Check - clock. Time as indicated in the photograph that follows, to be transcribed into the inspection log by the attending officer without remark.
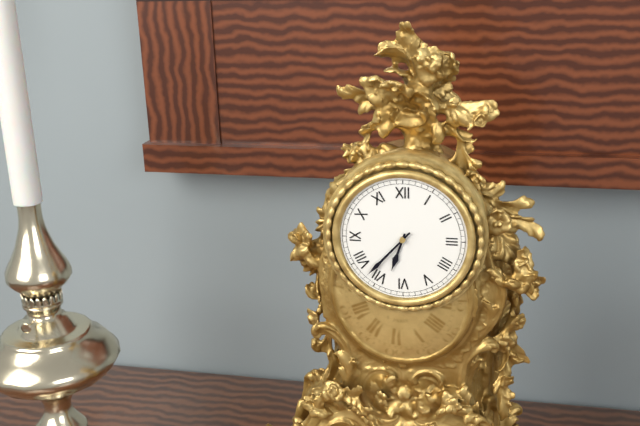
6:37
